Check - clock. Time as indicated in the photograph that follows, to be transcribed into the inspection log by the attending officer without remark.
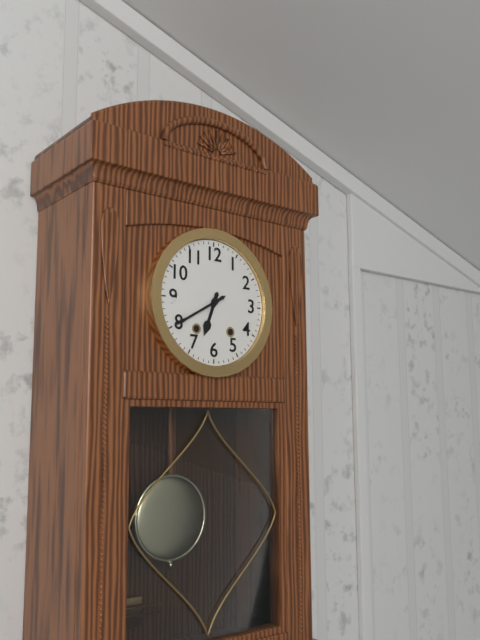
6:40
